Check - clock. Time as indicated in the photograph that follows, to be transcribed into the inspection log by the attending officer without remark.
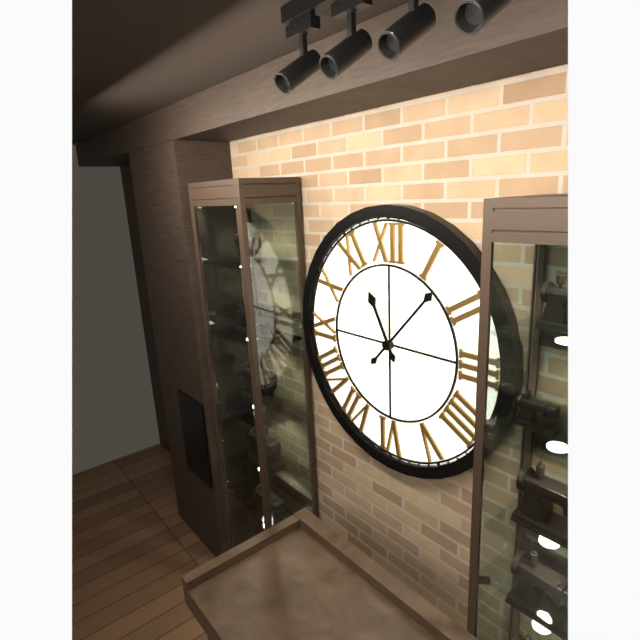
11:07
